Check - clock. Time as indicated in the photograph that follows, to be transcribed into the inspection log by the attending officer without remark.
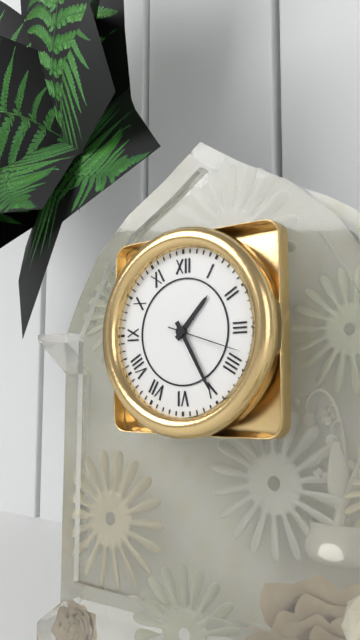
1:25:18
